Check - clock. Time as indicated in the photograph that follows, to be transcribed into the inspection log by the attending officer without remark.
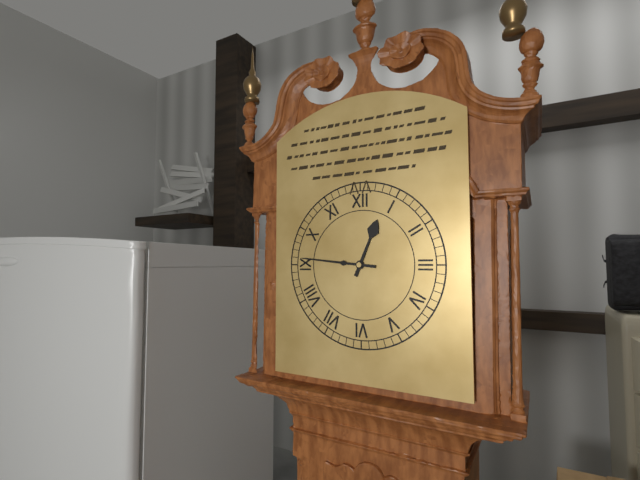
12:46
